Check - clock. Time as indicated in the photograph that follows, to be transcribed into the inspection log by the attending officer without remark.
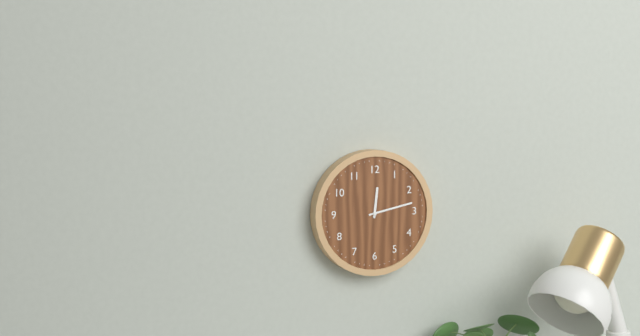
12:13
